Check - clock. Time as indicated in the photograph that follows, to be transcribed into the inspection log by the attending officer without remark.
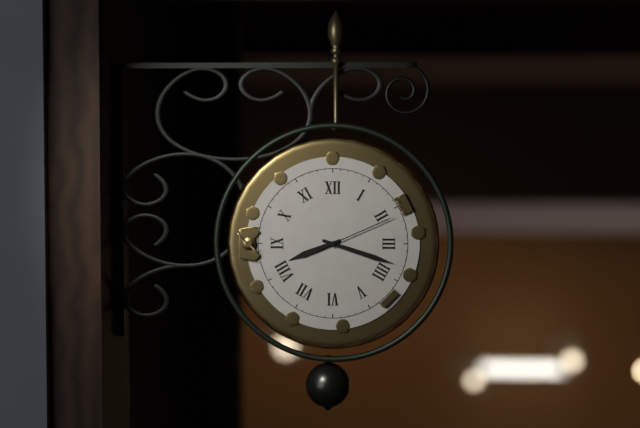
8:18:11
